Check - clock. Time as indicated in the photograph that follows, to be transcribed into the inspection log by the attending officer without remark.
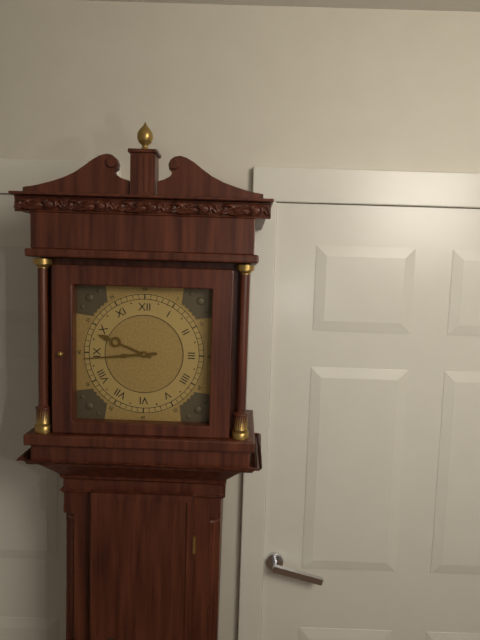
9:44
